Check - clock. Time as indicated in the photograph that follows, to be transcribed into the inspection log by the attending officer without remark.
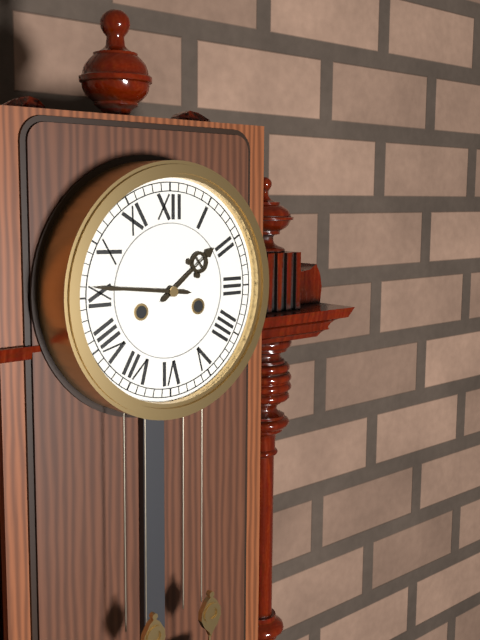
1:46
